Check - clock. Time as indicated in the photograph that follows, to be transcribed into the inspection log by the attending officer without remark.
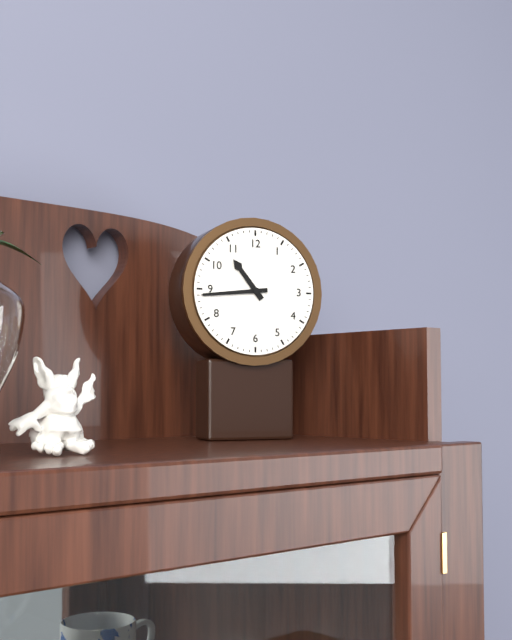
10:44
